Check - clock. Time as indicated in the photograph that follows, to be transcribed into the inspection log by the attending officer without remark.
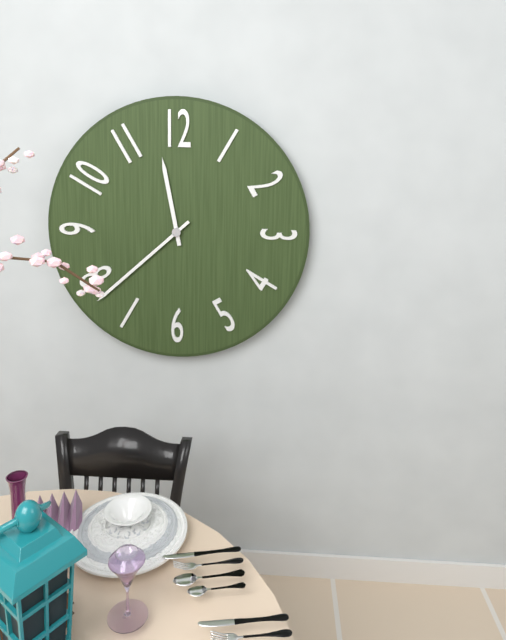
11:38
